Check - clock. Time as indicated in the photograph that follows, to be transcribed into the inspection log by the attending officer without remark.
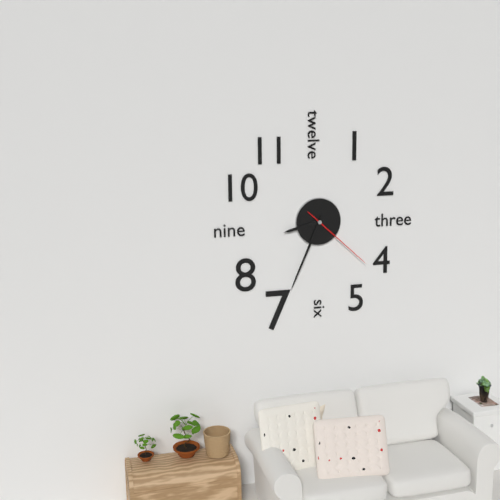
8:34:22
